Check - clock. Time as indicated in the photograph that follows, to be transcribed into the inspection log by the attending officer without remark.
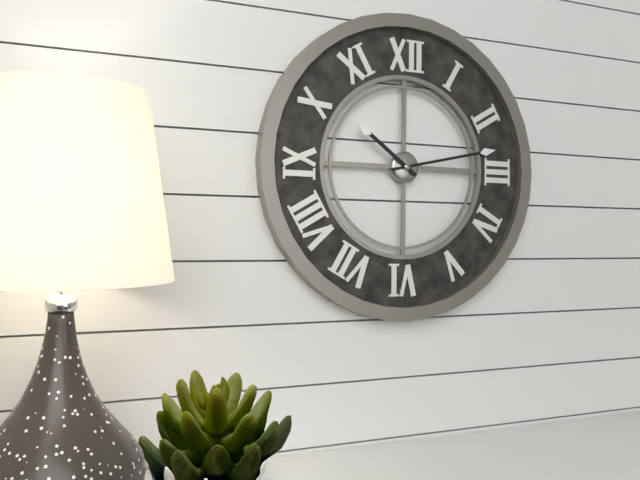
10:13
